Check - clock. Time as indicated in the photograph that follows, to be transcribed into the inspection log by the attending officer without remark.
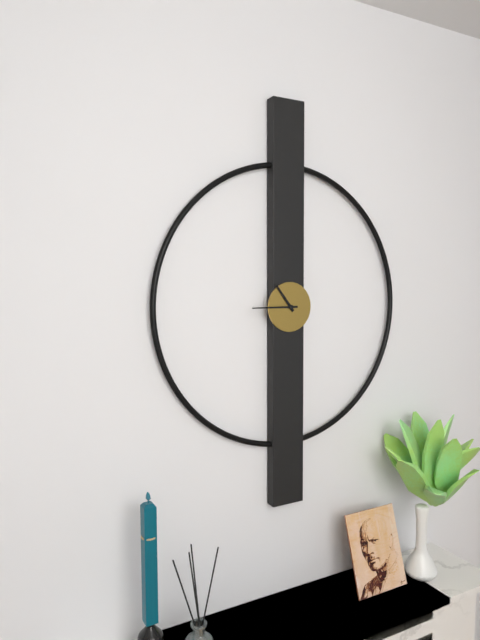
10:45
